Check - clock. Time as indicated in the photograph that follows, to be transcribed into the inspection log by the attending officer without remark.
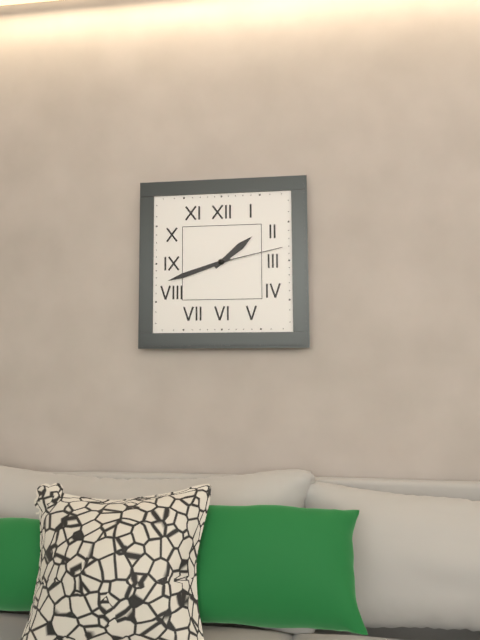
1:42:13
